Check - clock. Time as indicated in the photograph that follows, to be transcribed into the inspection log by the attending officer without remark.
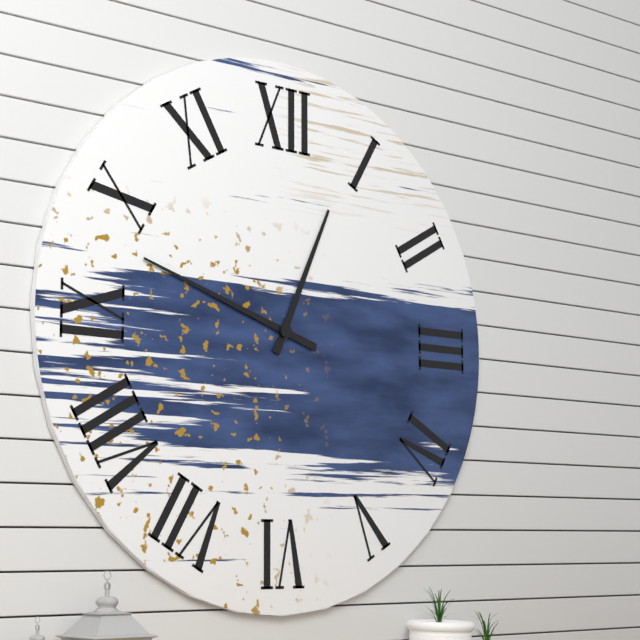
12:48
